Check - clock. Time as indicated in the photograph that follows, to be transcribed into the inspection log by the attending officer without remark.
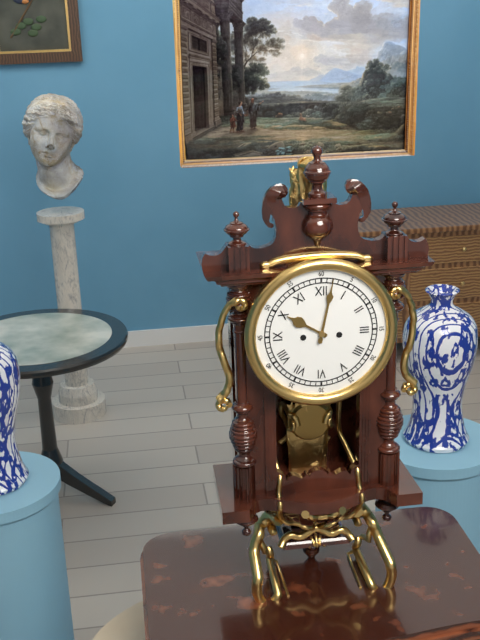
10:02
